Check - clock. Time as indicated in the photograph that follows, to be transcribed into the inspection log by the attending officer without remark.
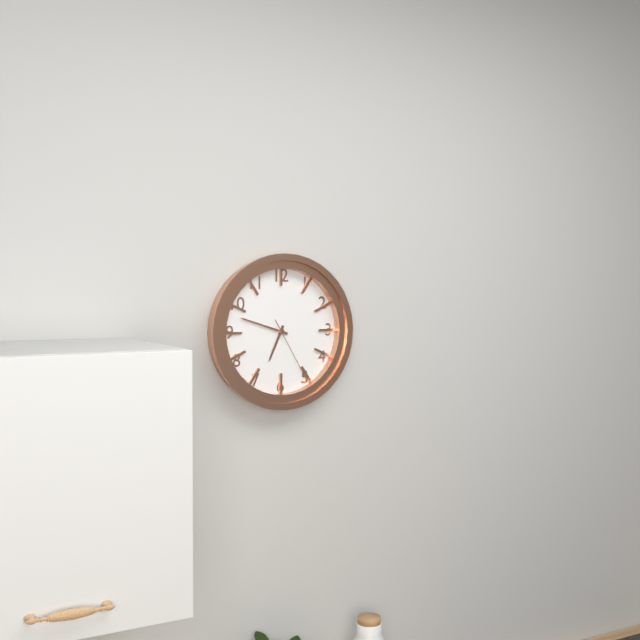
6:48:25
